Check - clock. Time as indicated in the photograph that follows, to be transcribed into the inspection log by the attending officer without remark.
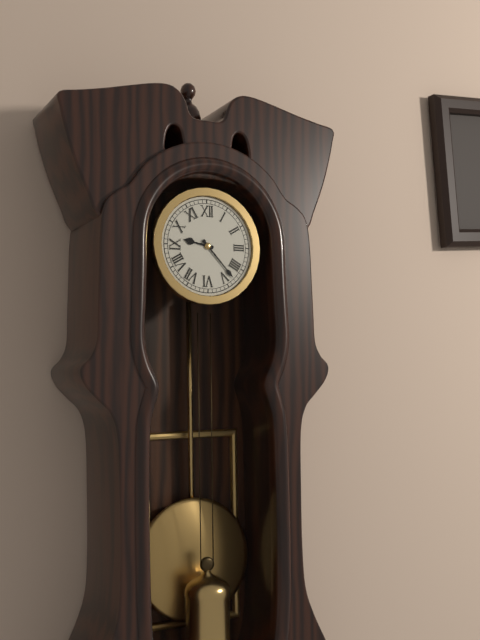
9:23
